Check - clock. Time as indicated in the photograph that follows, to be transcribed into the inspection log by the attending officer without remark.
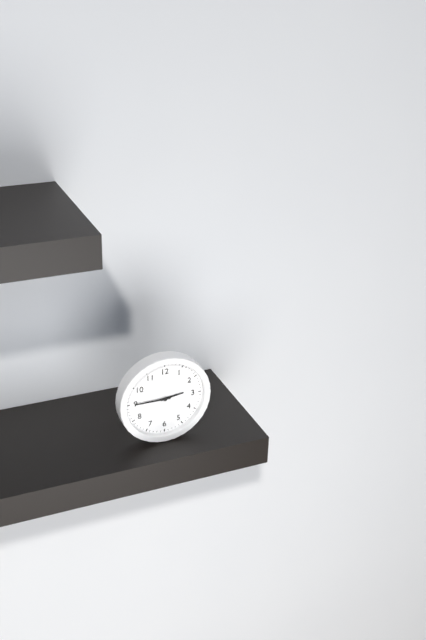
2:45
